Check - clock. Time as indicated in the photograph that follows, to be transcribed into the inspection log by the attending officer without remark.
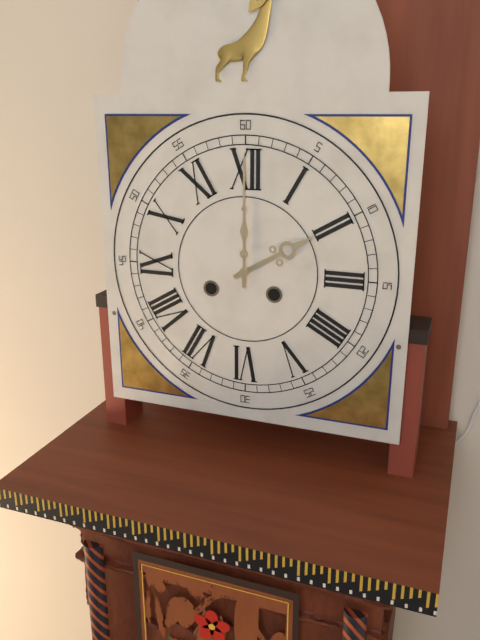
2:00
